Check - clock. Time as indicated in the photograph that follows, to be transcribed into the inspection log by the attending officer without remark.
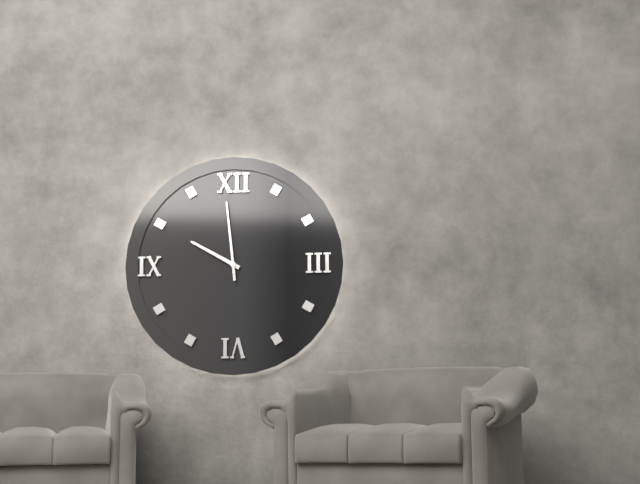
9:59
